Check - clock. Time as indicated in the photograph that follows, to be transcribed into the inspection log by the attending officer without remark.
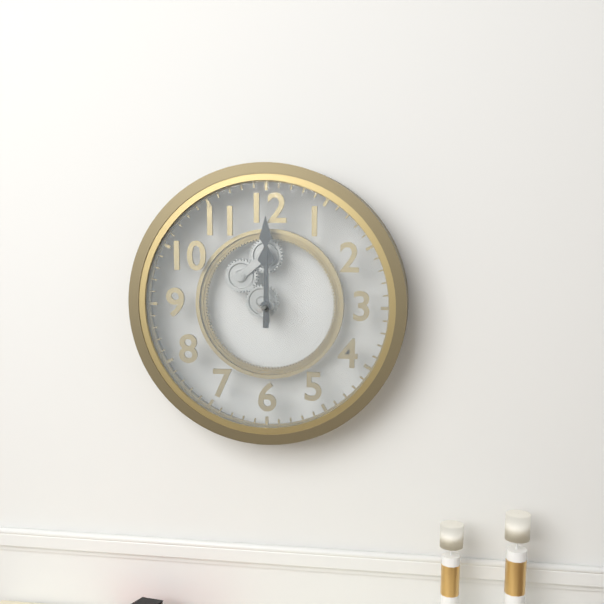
12:00
